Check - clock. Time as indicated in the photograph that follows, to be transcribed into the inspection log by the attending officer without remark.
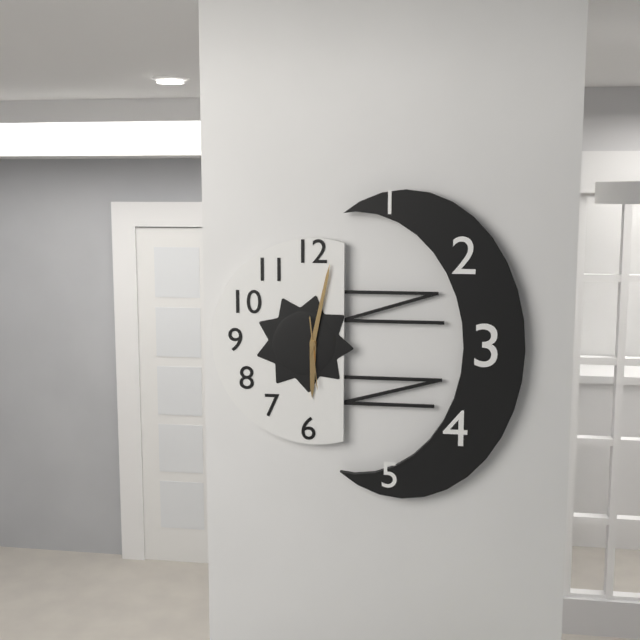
6:02:29
